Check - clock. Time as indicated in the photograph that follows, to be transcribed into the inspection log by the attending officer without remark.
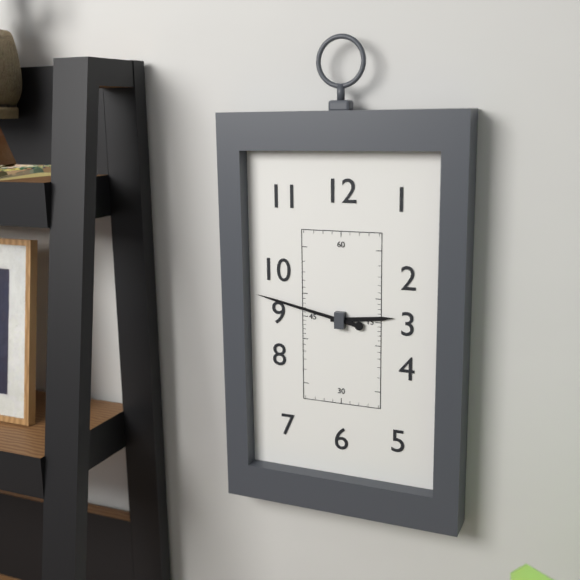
2:47
